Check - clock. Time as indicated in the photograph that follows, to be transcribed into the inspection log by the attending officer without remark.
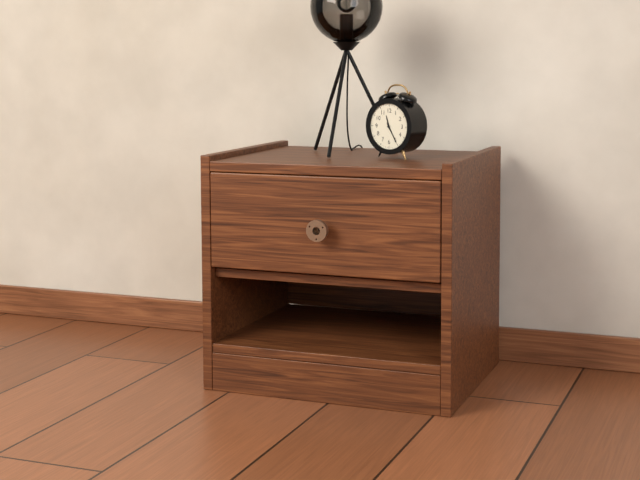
11:25
